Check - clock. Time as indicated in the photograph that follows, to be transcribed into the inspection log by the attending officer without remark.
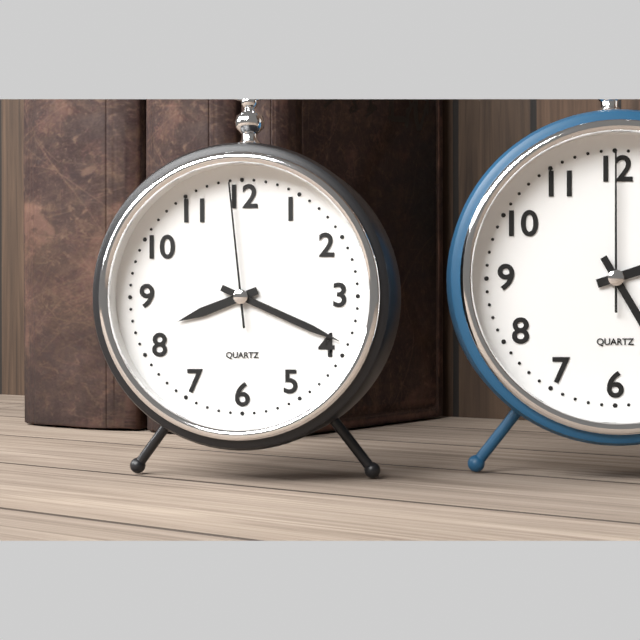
8:19:59
